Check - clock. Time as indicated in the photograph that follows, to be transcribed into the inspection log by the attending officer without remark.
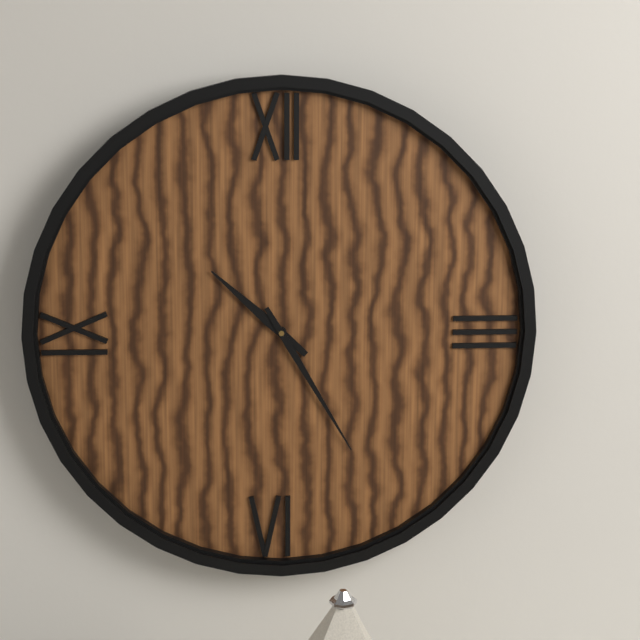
10:25
